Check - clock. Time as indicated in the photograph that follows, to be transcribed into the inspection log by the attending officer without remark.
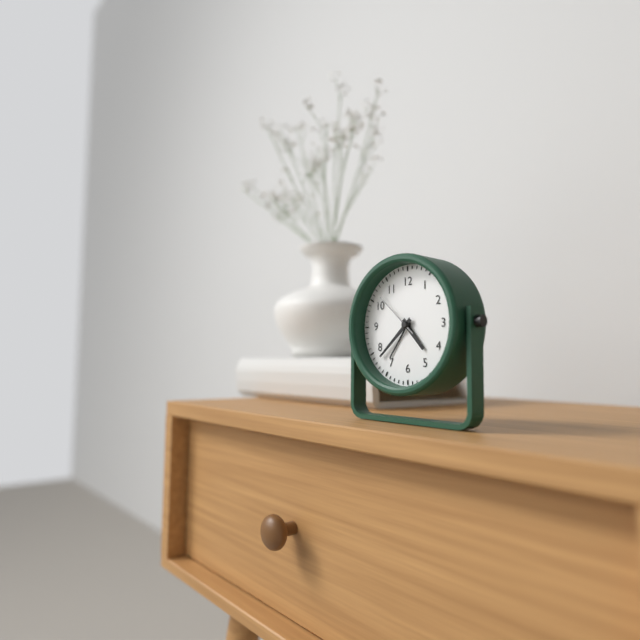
4:38
